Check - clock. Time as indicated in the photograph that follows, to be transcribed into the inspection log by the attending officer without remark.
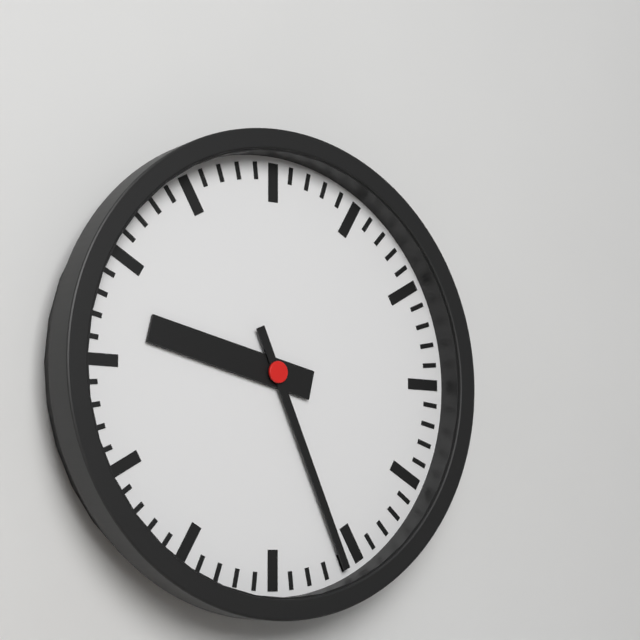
9:26
